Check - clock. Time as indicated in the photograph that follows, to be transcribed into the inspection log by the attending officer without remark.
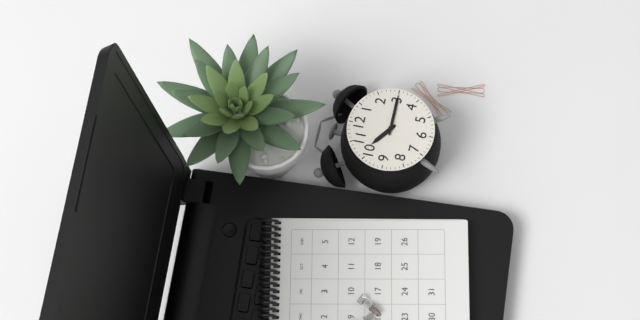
10:15
